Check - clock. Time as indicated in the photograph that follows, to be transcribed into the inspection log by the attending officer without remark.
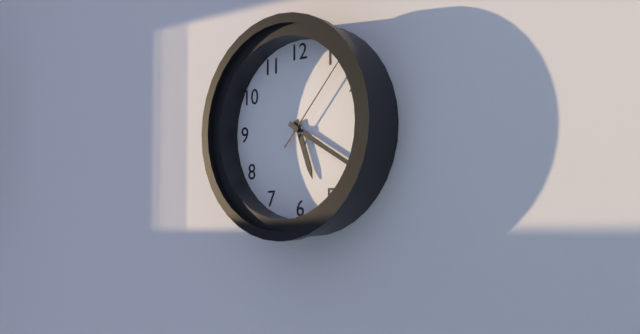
5:20:07
